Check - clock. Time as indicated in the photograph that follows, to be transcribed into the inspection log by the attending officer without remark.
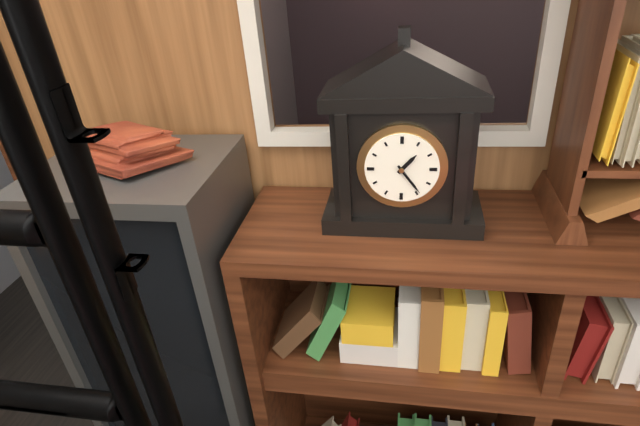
1:24
